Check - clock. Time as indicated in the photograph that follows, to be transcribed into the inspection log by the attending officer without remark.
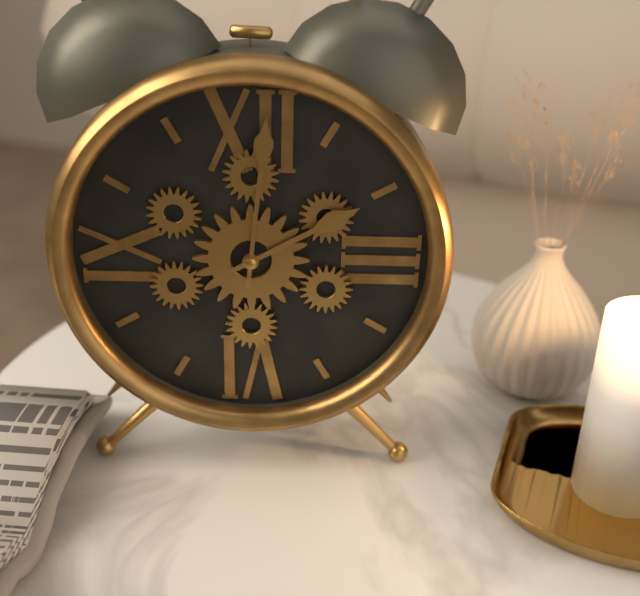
2:01
